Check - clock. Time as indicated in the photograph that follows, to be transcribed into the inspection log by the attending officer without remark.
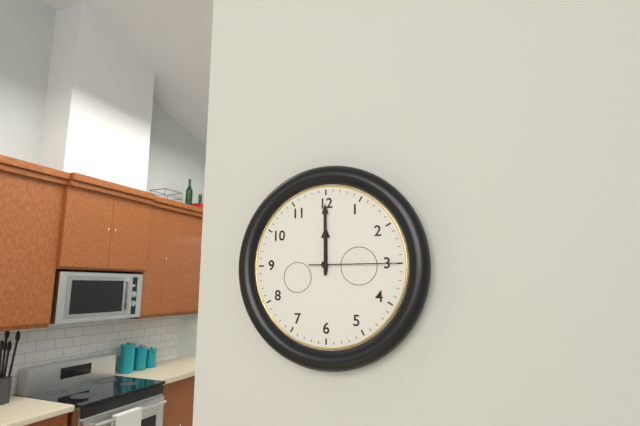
12:00:15
